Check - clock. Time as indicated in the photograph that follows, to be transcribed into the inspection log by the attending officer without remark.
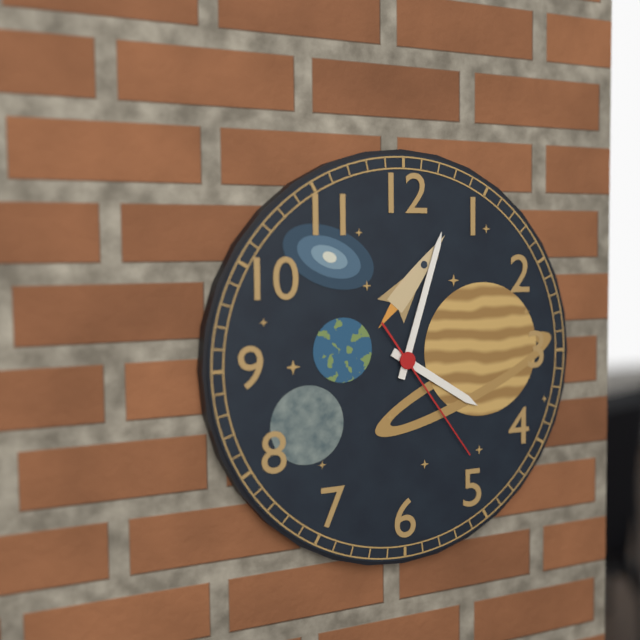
4:03:24
